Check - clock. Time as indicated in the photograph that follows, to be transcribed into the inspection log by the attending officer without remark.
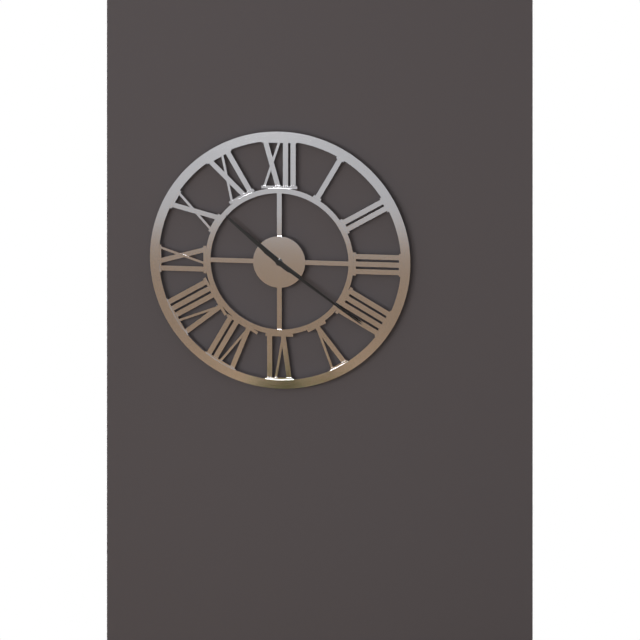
10:21
